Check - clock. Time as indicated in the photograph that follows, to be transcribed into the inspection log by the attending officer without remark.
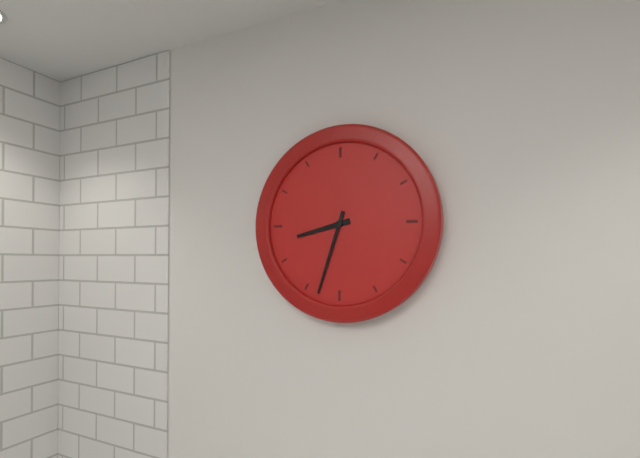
8:33
